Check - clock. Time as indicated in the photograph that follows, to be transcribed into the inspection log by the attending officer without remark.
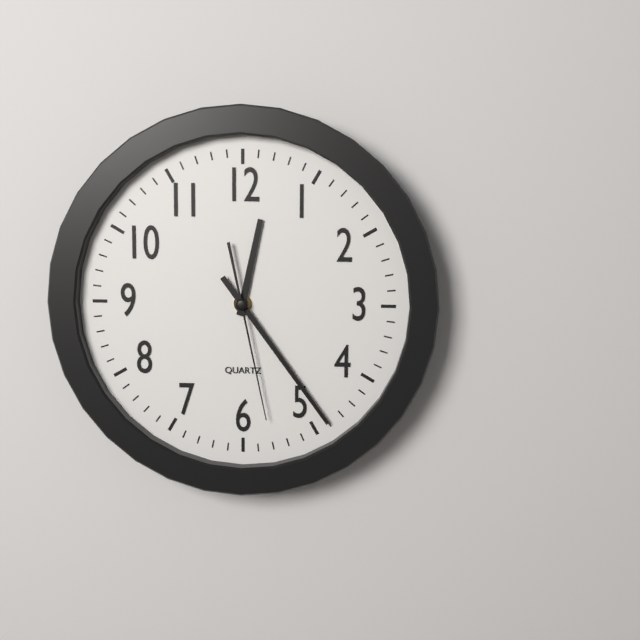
12:24:28
